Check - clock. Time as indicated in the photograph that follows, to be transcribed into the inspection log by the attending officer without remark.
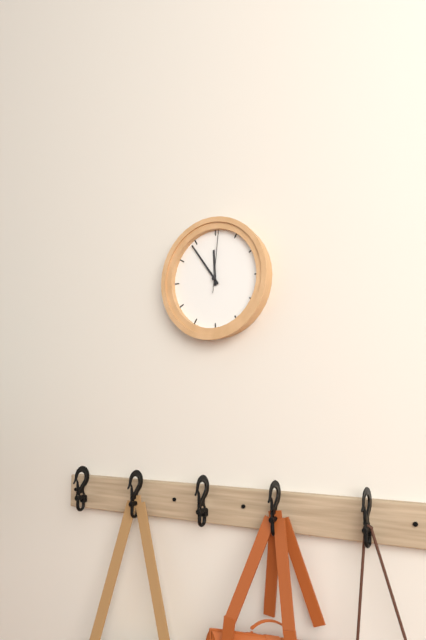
11:54:01
